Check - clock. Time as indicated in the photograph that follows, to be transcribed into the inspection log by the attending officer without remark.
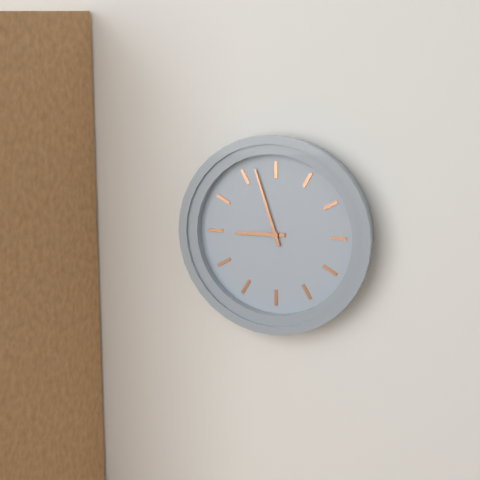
8:57
